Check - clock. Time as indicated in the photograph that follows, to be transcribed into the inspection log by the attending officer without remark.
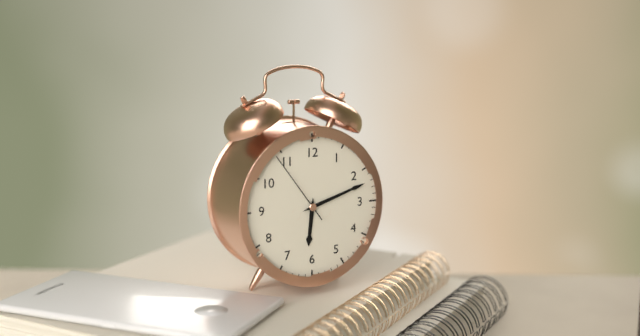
6:12:54
